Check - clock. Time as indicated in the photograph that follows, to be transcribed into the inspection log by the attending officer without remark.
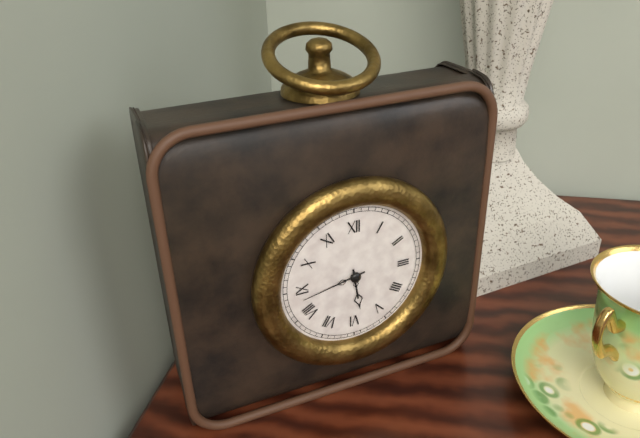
5:43
